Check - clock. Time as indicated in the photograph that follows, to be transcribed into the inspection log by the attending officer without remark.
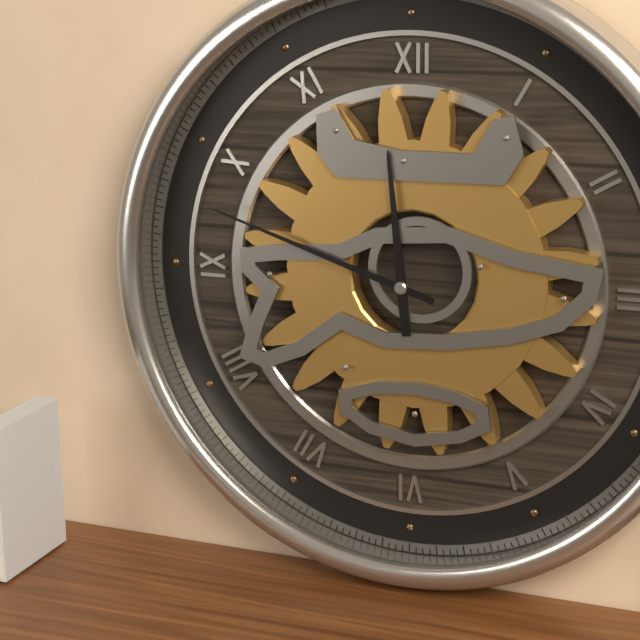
11:48
